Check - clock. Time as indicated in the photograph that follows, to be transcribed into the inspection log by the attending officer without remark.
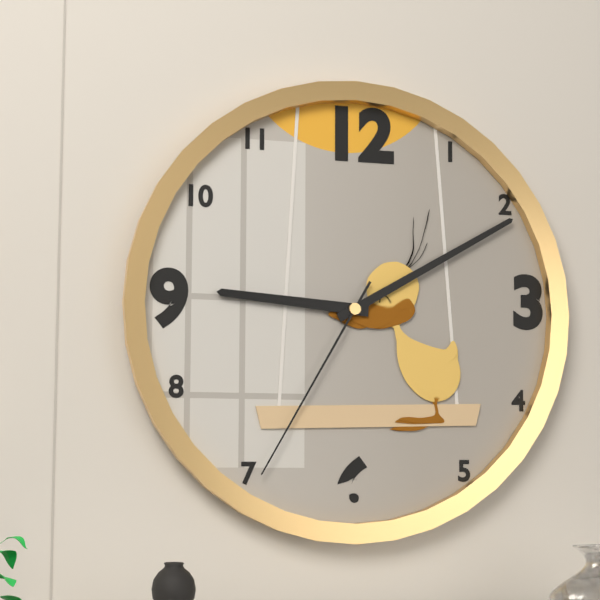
9:10:35
